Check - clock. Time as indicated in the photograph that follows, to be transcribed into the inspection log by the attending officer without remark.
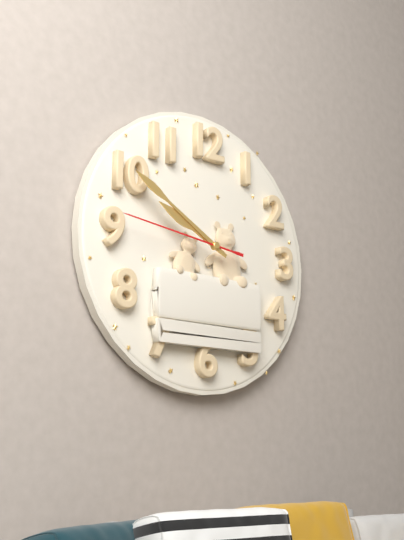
9:50:46
